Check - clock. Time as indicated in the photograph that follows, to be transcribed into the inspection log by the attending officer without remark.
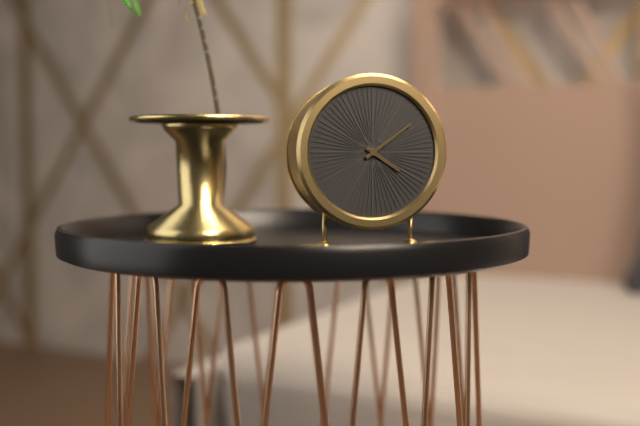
4:09
